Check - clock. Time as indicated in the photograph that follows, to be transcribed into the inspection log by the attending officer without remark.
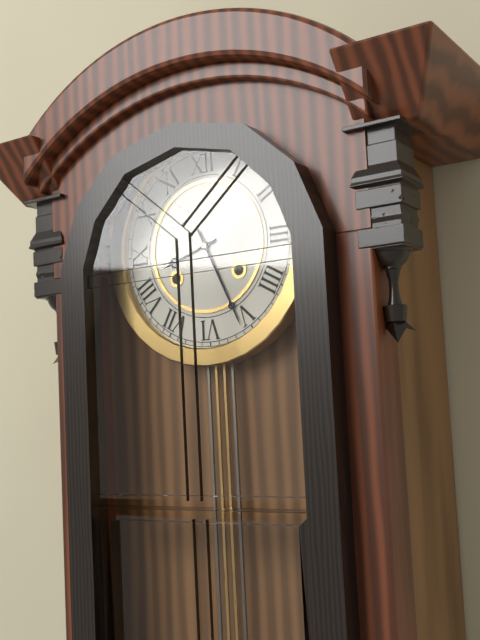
8:26
